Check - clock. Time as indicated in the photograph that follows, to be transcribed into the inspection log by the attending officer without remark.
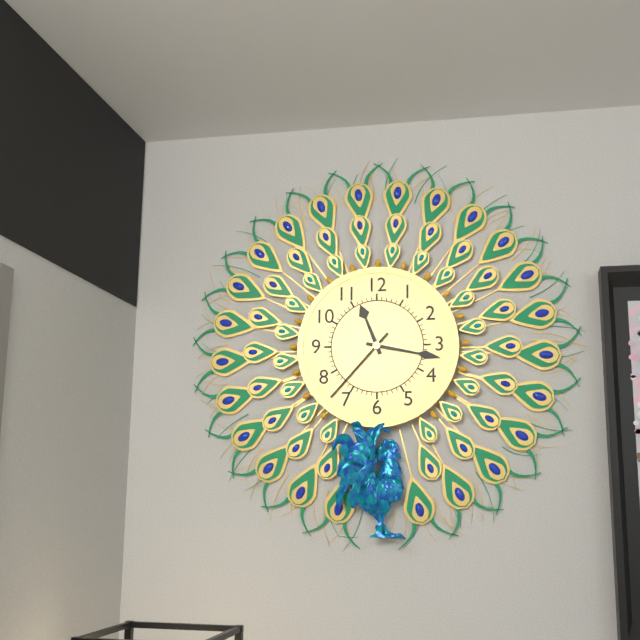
11:17:37
